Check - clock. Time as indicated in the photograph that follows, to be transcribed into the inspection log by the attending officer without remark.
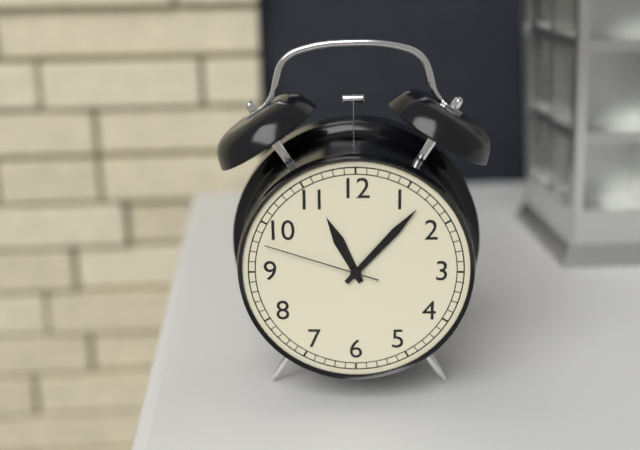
11:07:48
